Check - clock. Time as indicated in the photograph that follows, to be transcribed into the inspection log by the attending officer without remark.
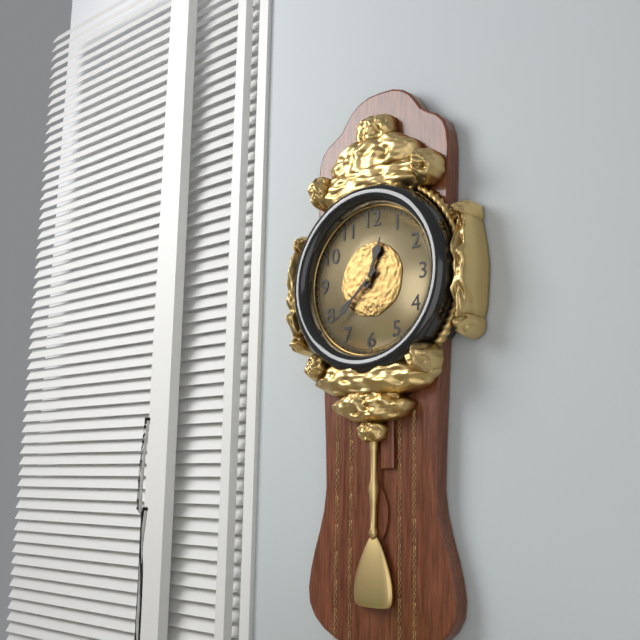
12:38
